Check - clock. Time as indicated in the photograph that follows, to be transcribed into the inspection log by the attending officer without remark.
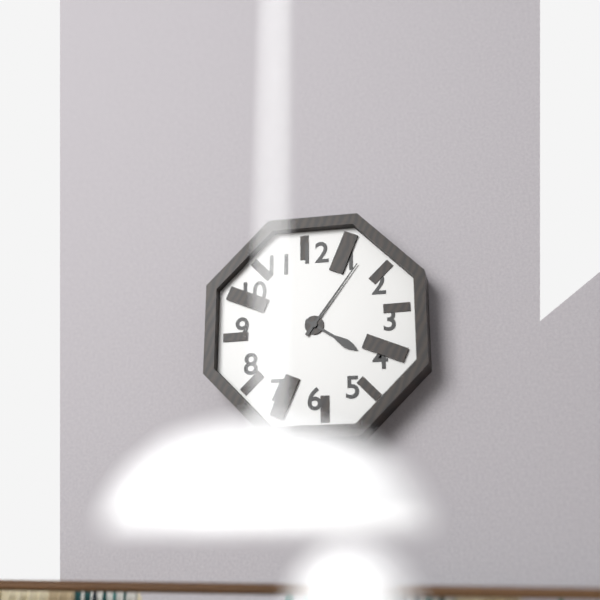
4:06
